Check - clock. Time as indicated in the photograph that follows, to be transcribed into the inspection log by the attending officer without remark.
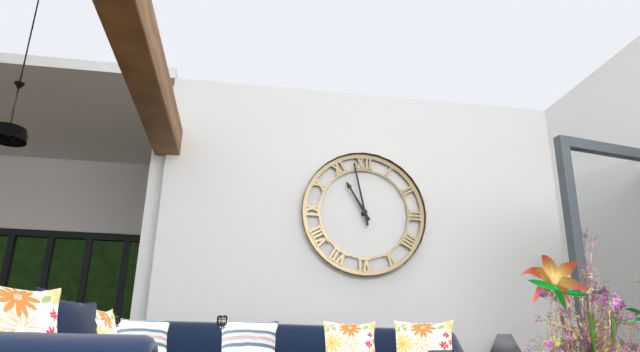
10:58
